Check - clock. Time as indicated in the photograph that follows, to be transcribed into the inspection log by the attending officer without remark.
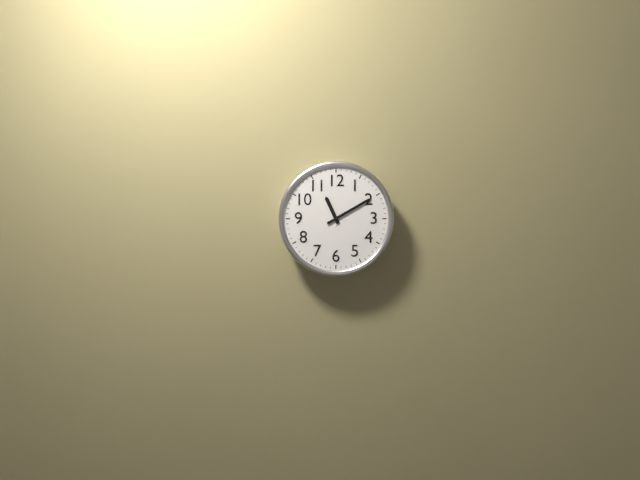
11:10
